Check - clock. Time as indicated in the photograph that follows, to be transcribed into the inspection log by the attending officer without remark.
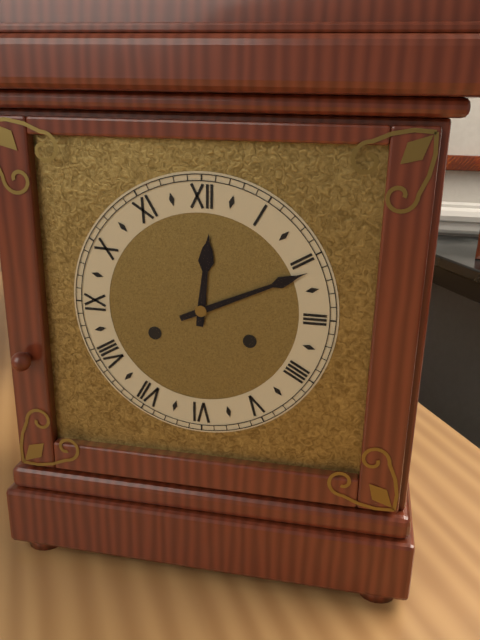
12:11
